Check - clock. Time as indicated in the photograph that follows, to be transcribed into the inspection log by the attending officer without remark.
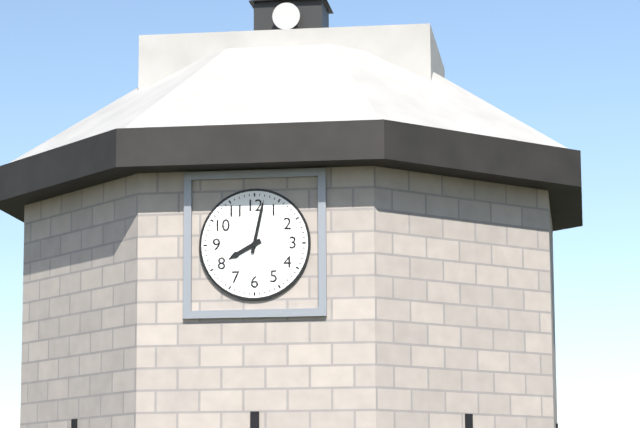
8:02
